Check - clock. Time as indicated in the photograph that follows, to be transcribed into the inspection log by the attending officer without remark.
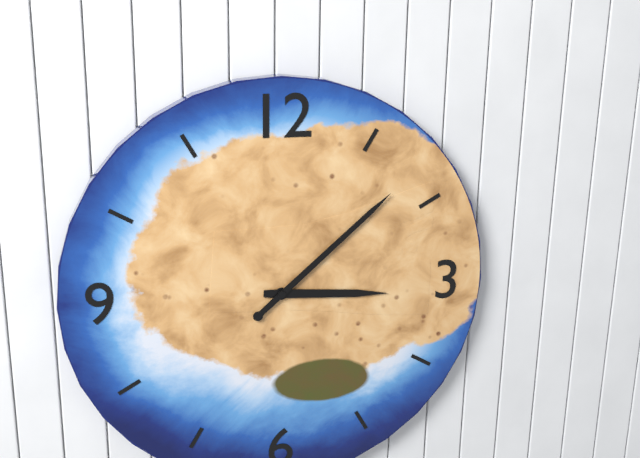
3:08
